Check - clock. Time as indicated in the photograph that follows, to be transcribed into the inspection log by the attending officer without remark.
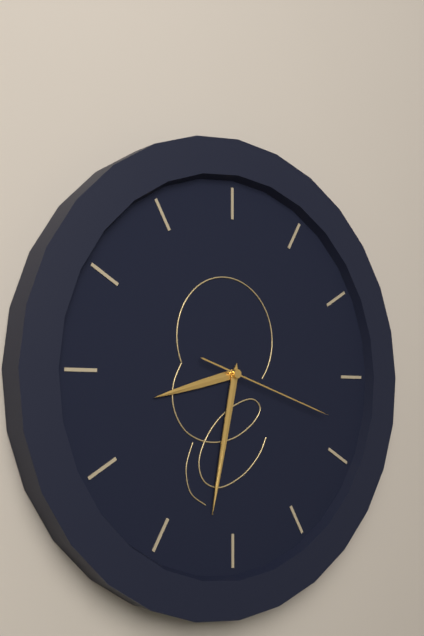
8:32:18
